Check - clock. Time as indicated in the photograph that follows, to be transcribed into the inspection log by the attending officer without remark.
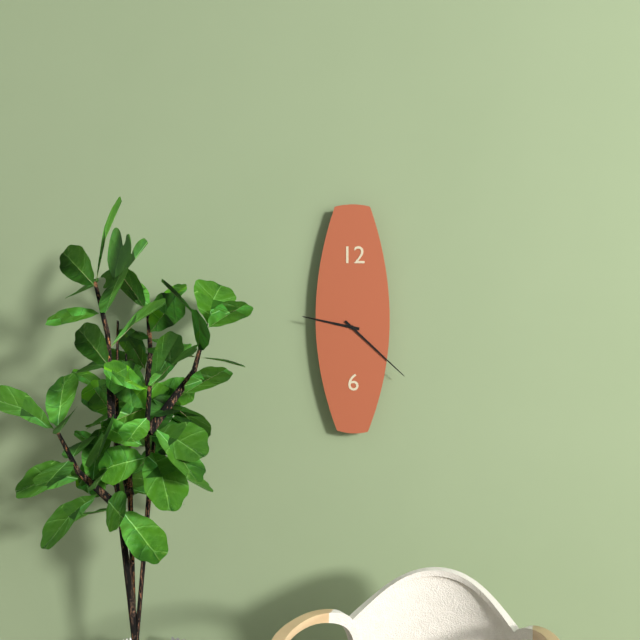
9:22
